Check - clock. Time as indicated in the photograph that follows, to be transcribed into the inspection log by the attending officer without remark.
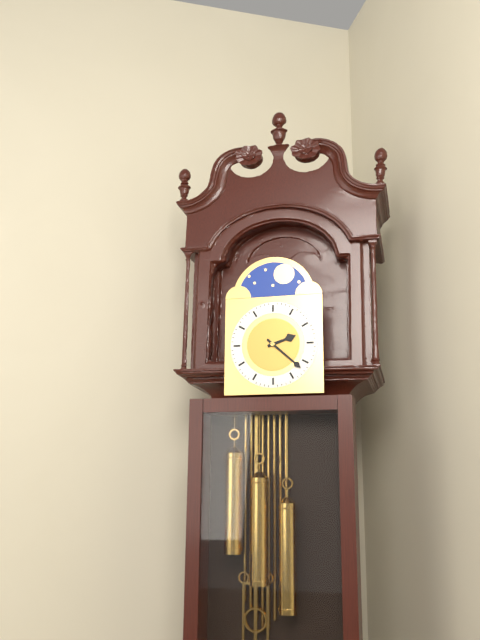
2:22
